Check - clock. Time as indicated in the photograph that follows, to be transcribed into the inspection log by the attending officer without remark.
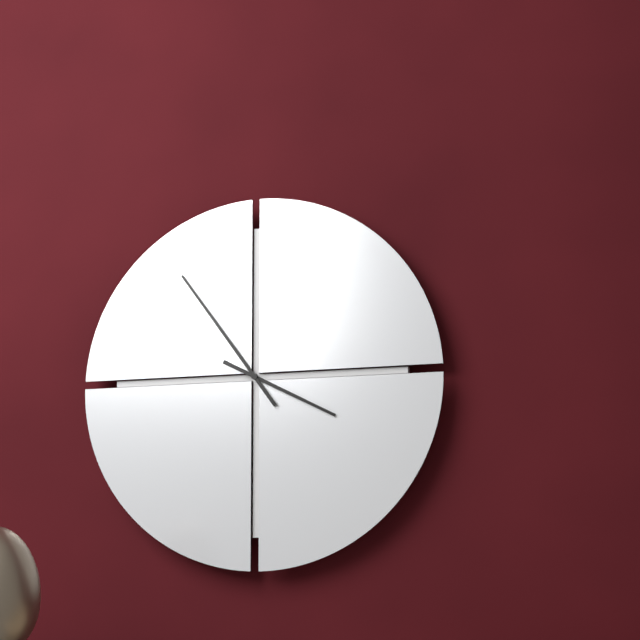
3:54
